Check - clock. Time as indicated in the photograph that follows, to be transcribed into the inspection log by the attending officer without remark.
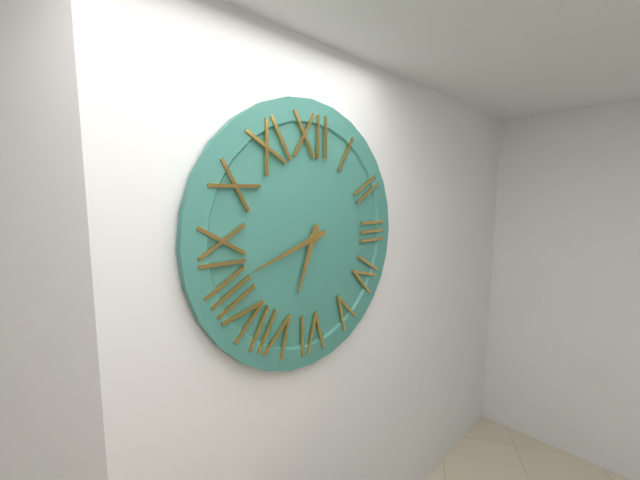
6:42
